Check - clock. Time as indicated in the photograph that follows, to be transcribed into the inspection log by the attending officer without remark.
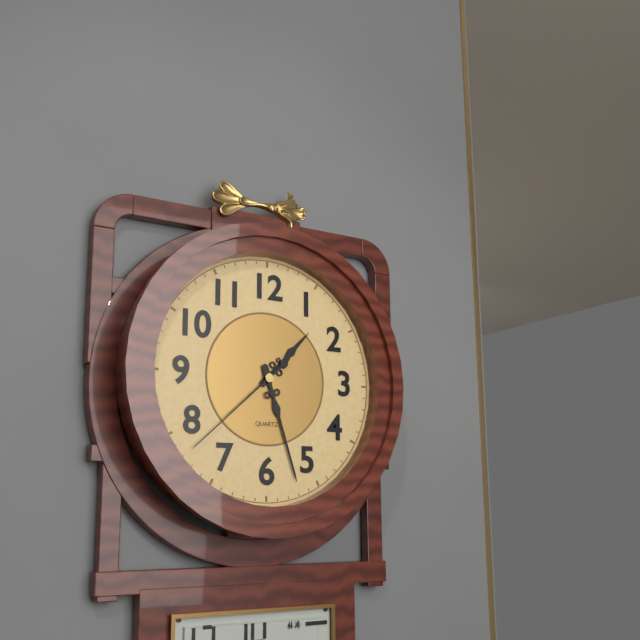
1:27:38
